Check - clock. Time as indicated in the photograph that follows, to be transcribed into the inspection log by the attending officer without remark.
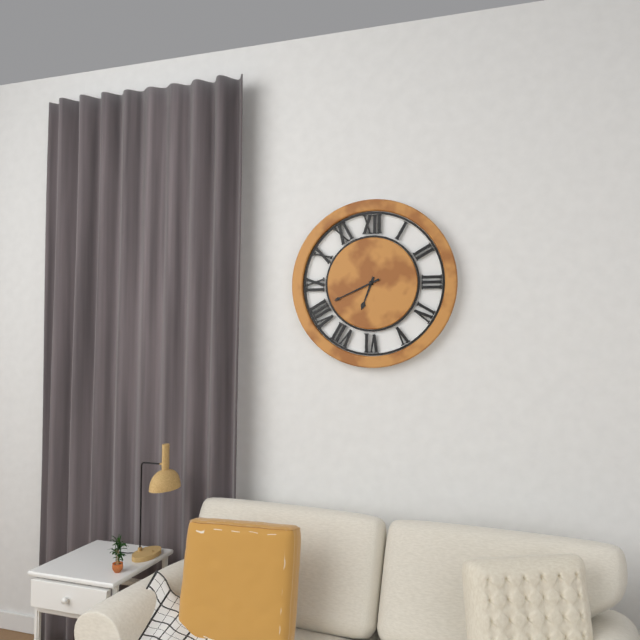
6:41
